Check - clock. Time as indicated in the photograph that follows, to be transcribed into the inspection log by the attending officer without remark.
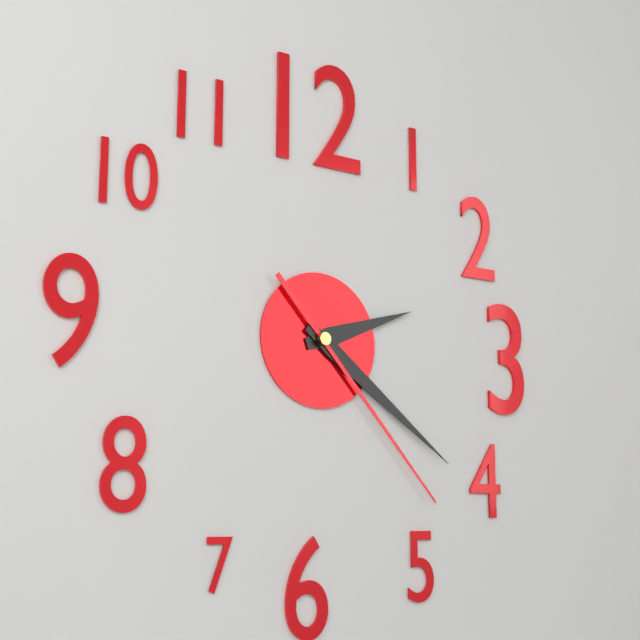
2:21:23
